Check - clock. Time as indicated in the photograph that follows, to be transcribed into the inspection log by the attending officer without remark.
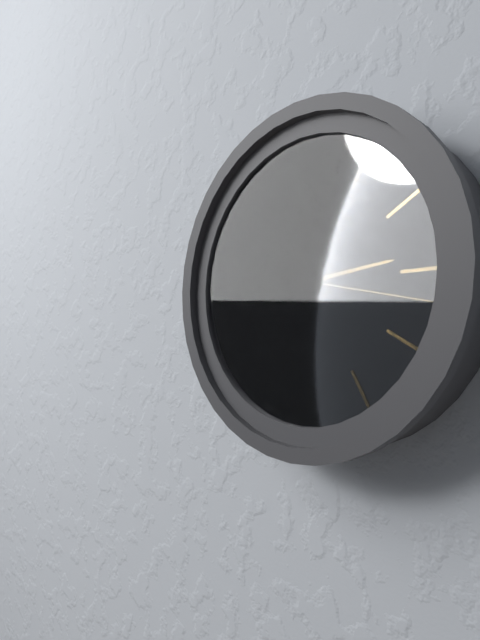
2:47:17
